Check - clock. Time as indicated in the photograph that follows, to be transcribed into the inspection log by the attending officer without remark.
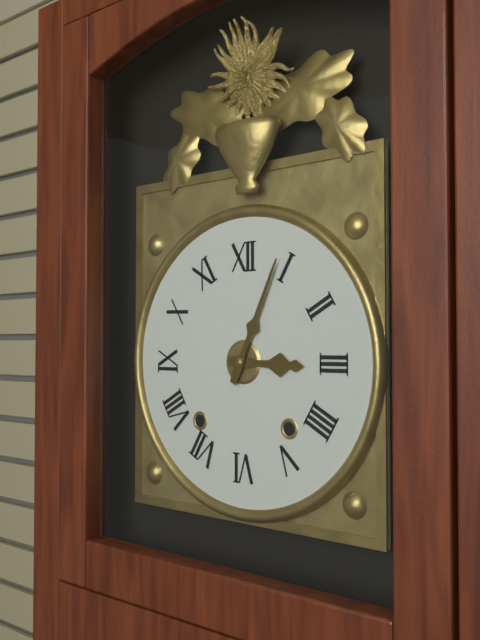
3:04
